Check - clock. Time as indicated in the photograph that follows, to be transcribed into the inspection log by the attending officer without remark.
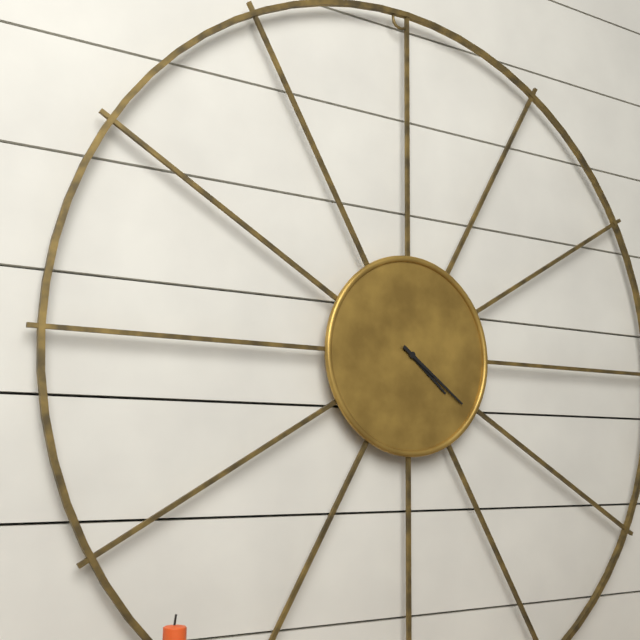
4:21
